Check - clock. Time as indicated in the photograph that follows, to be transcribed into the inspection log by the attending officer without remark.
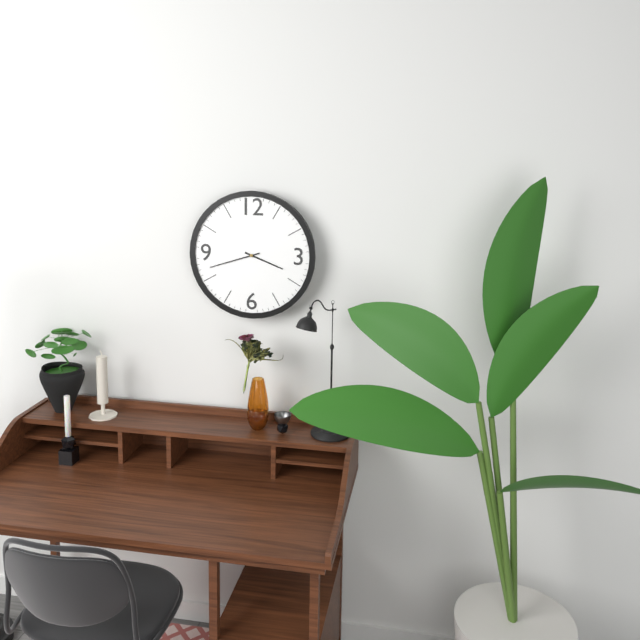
3:42
